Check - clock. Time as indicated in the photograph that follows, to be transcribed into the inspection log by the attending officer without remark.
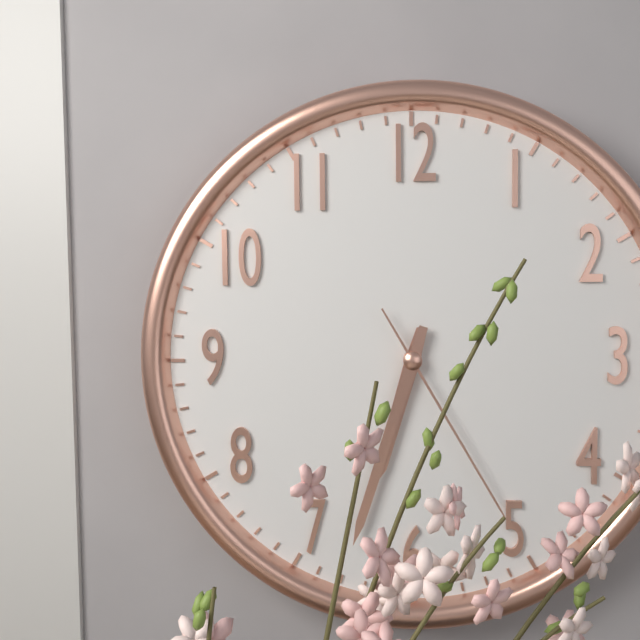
6:33:25
